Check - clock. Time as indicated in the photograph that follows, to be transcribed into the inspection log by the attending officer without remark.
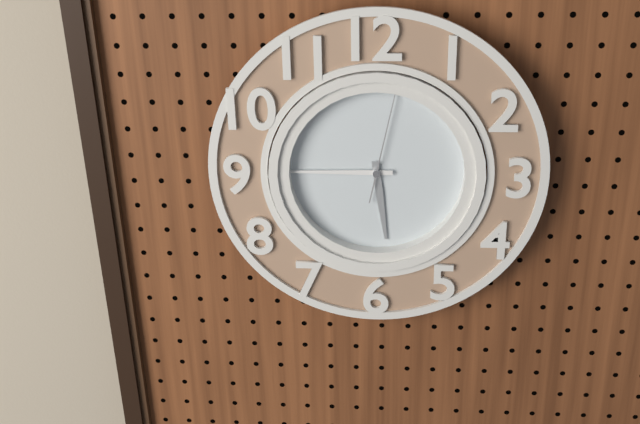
5:45:02
